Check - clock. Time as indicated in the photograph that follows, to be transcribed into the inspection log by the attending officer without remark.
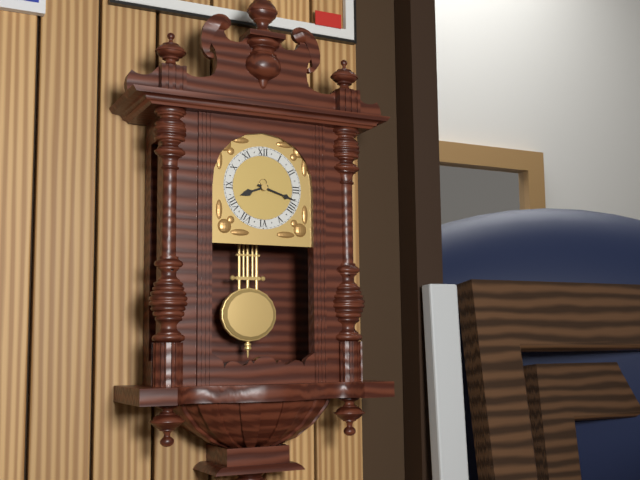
8:18
